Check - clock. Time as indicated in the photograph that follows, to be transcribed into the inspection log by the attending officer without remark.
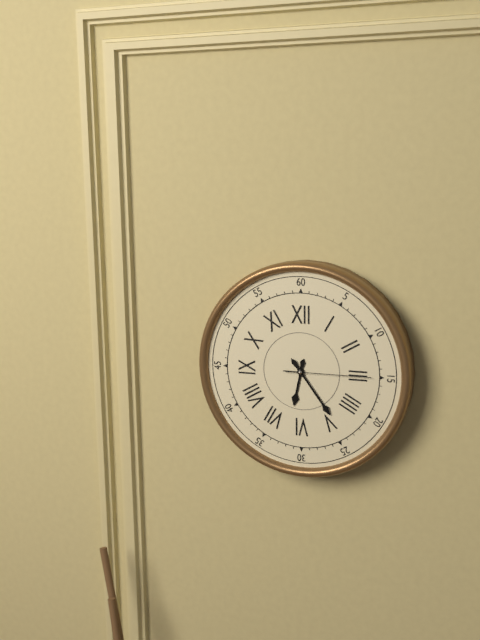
6:24:15
